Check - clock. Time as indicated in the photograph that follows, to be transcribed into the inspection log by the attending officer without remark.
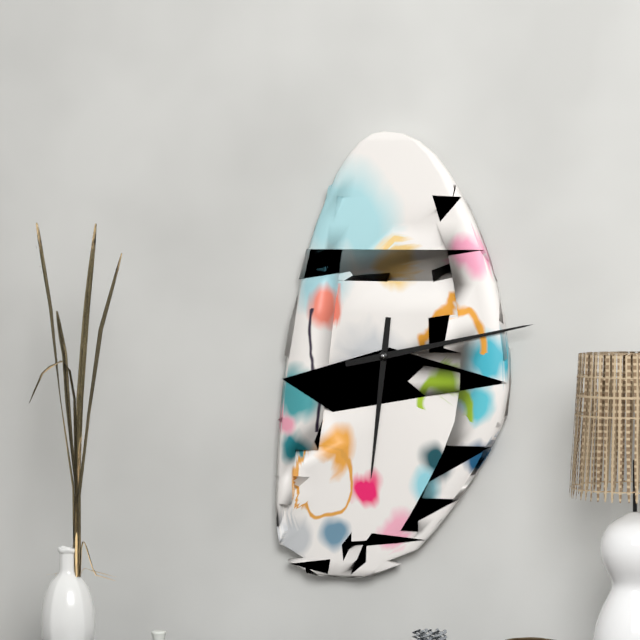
6:13
